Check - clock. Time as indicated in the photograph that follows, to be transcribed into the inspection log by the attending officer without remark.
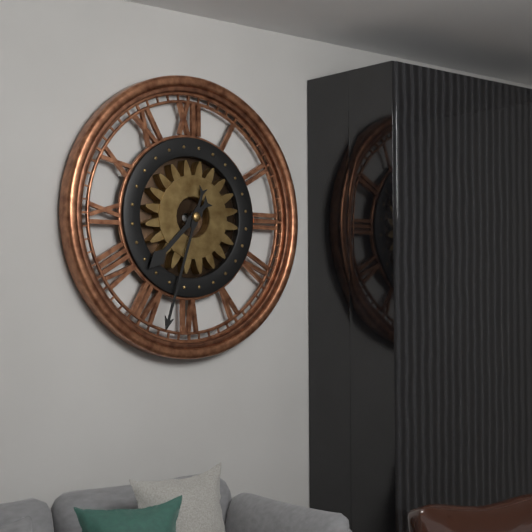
7:33
